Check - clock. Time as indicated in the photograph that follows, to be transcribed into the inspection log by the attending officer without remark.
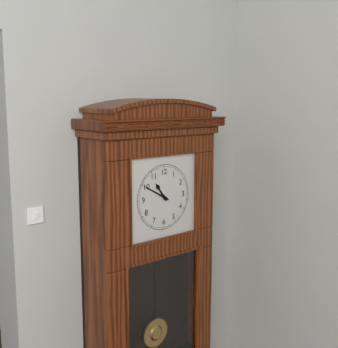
10:50
